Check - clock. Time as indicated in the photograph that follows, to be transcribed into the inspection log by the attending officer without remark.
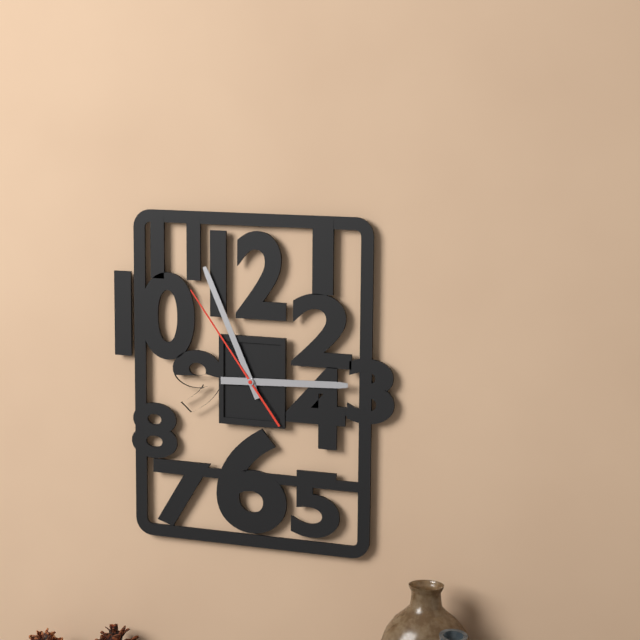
2:56:54
